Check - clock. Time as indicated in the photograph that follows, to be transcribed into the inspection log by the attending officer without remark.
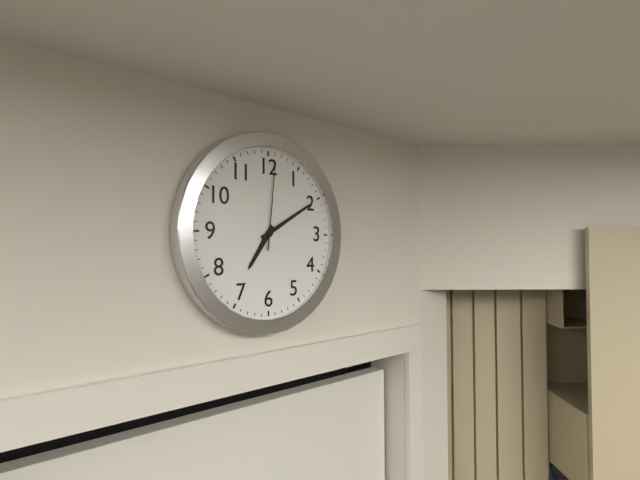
7:10:01
